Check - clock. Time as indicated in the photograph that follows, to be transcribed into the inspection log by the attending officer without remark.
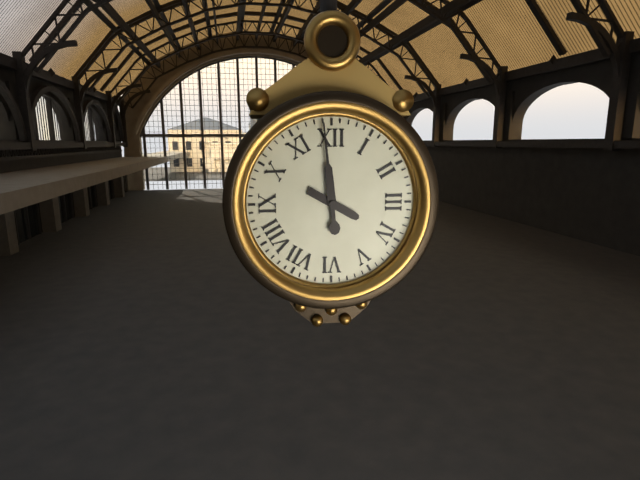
3:59
